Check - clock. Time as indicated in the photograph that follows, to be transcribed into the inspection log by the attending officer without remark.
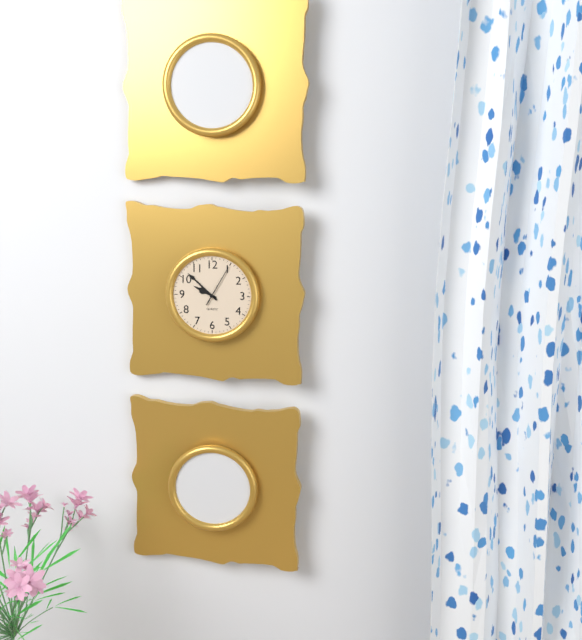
9:52
